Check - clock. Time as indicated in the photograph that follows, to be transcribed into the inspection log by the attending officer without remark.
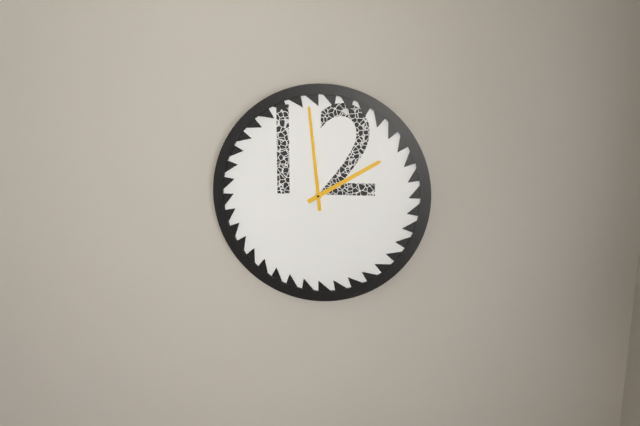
1:59
